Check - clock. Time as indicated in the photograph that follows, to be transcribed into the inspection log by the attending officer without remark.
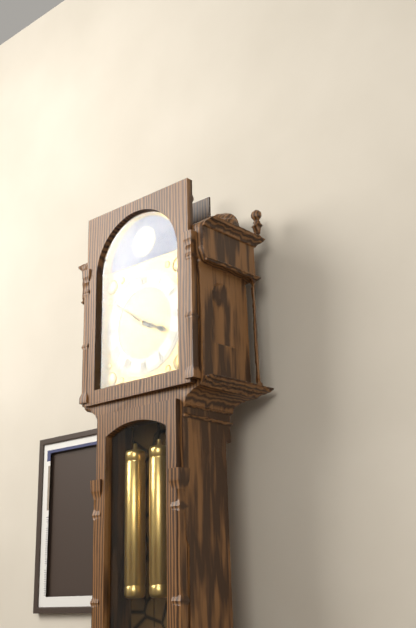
3:51
